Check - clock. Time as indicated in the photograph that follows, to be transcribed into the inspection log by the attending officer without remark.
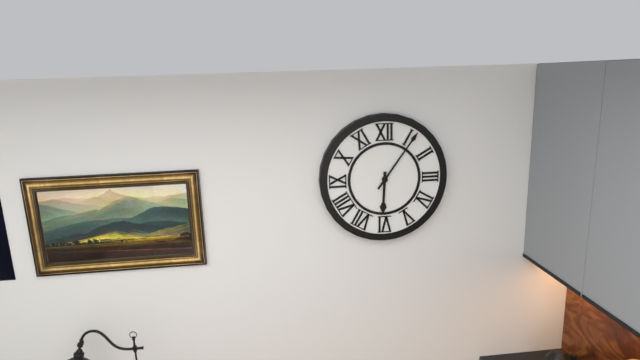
6:06
